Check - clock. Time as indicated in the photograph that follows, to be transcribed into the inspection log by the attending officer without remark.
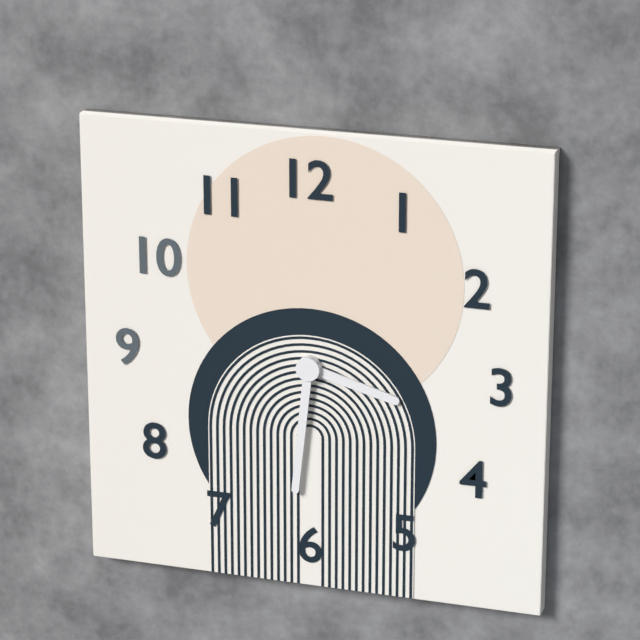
3:31
